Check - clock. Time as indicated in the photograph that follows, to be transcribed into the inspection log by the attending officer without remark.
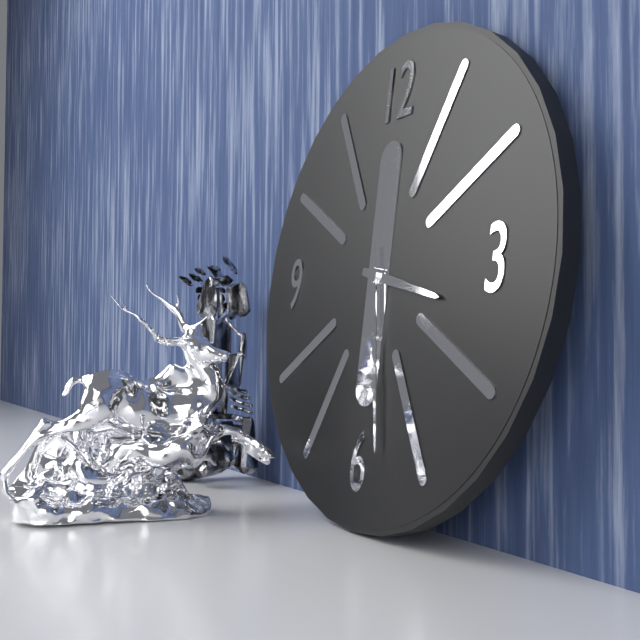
3:28
